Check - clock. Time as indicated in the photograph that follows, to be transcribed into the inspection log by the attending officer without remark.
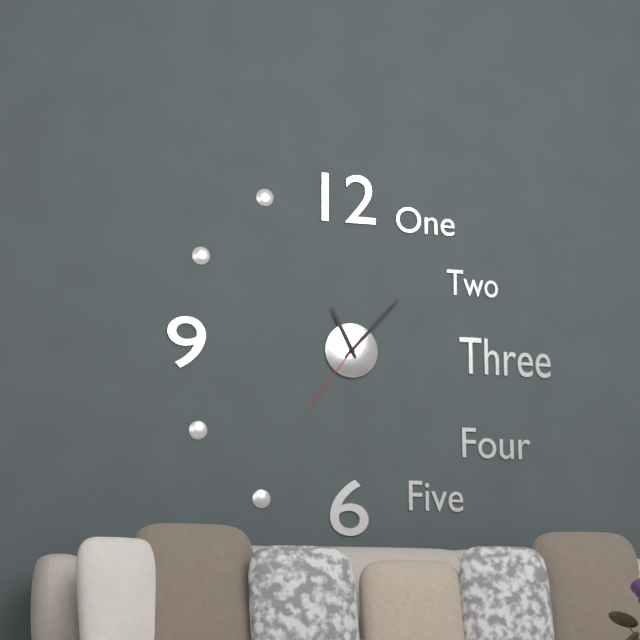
11:07:36
